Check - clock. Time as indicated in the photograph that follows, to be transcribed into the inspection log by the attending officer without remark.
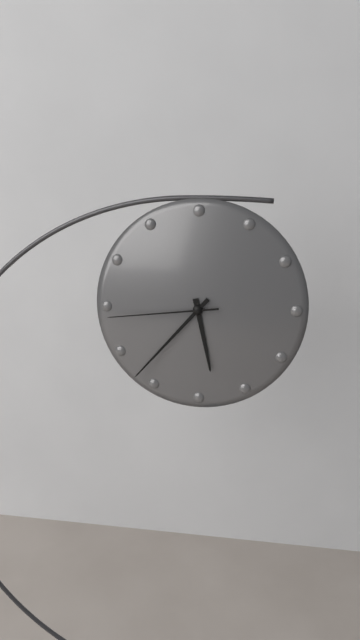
5:37:44
